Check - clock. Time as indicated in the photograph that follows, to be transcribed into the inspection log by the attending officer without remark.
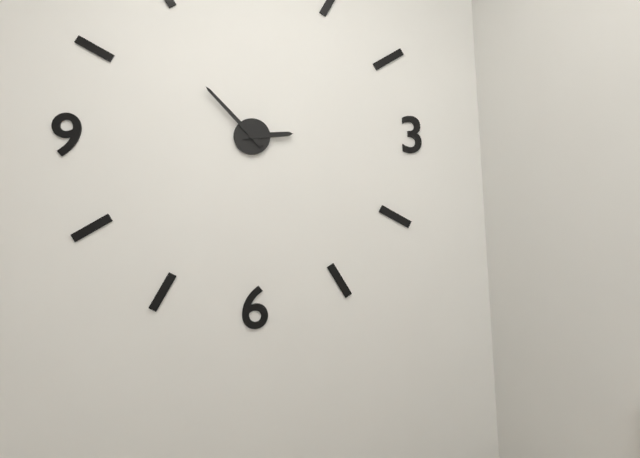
2:53
